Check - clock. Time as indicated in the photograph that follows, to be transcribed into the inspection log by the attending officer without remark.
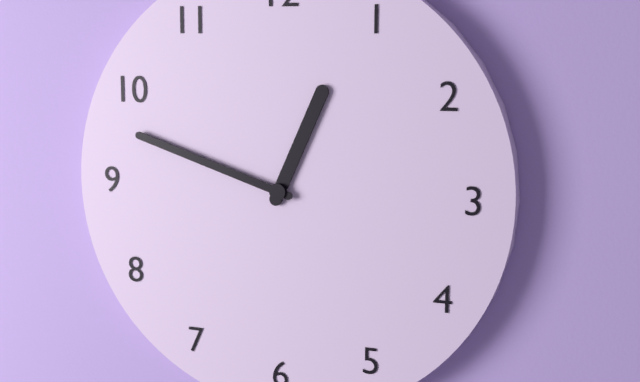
12:48
